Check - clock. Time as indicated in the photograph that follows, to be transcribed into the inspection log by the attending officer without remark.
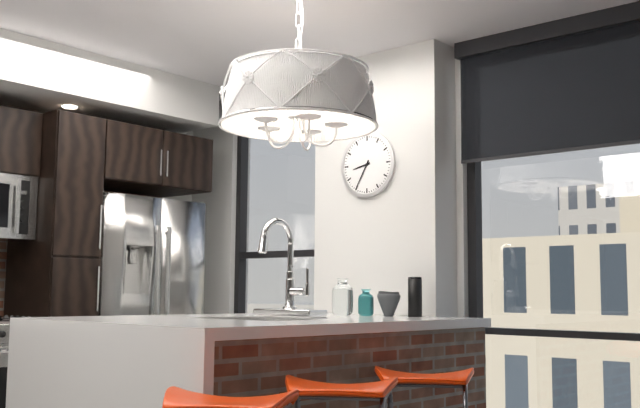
8:35
